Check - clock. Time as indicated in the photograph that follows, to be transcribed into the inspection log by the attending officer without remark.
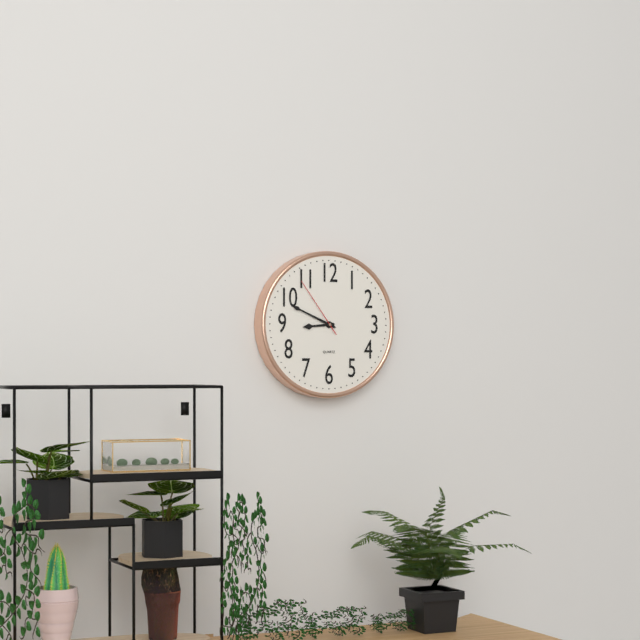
8:49:54
